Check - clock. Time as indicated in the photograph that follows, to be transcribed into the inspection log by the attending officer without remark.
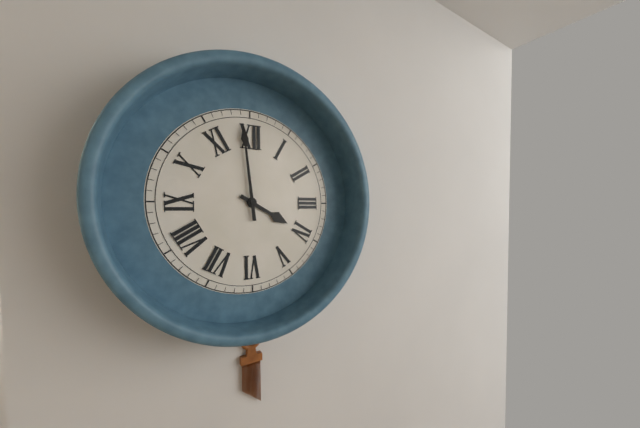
3:59
